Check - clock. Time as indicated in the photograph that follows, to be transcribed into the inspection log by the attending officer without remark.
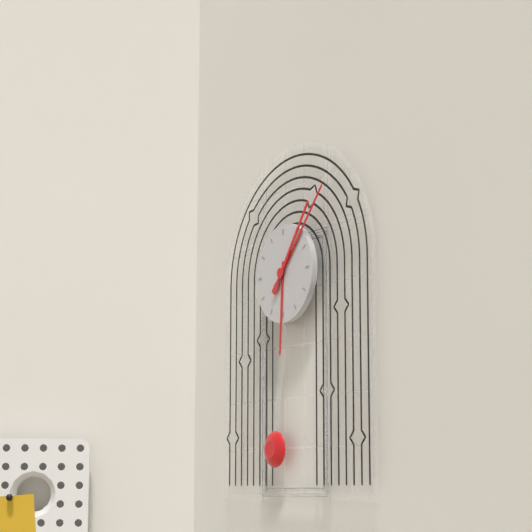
6:07:06
